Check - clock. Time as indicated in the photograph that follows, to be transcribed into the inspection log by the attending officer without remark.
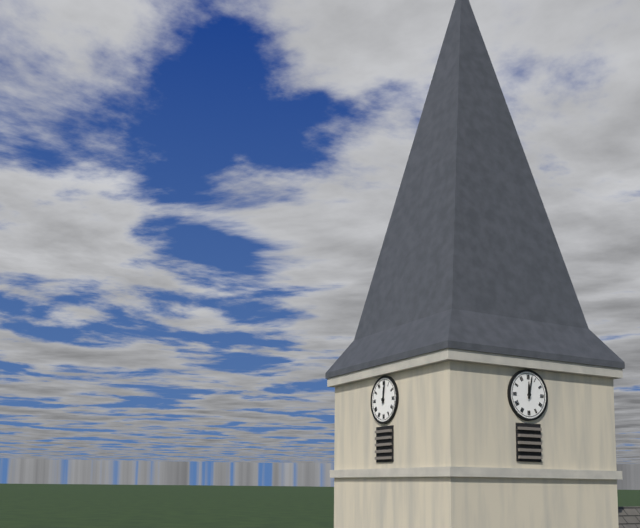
12:02
